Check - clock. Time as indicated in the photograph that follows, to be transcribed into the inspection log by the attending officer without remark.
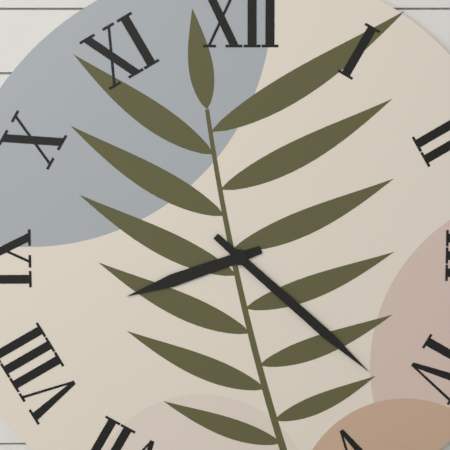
8:22
